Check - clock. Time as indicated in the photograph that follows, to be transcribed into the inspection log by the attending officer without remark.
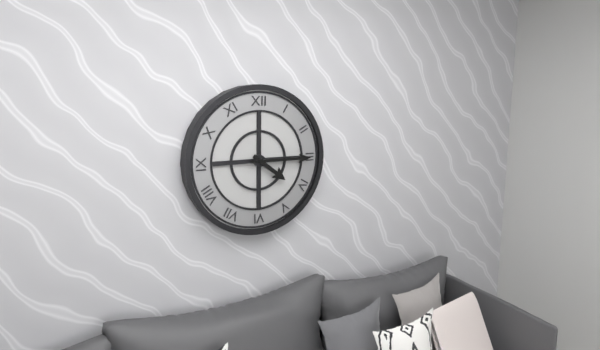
4:15
